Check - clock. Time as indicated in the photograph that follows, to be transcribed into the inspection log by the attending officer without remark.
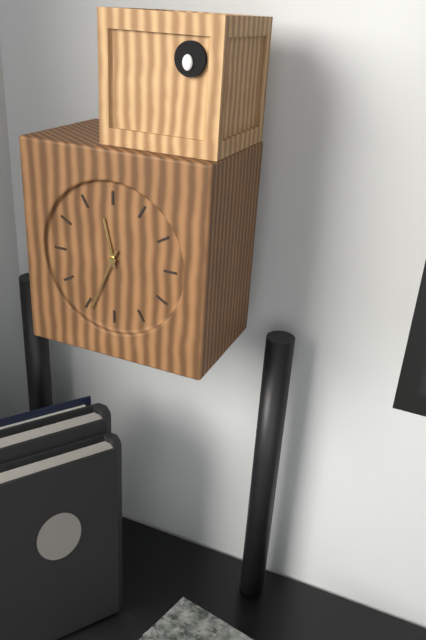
11:34
